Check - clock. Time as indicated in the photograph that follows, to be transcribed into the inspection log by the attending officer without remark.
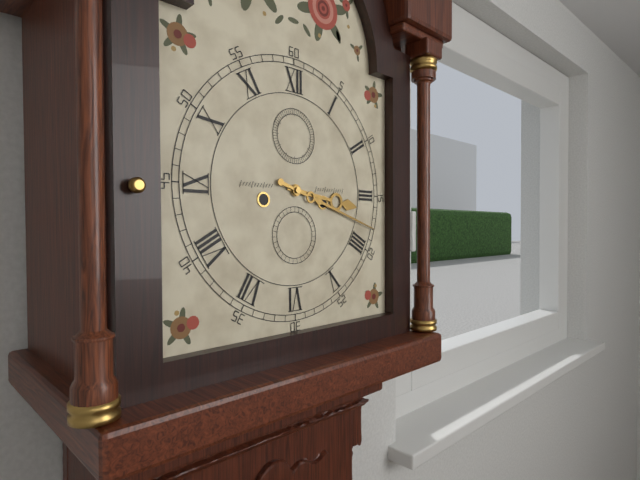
3:18
